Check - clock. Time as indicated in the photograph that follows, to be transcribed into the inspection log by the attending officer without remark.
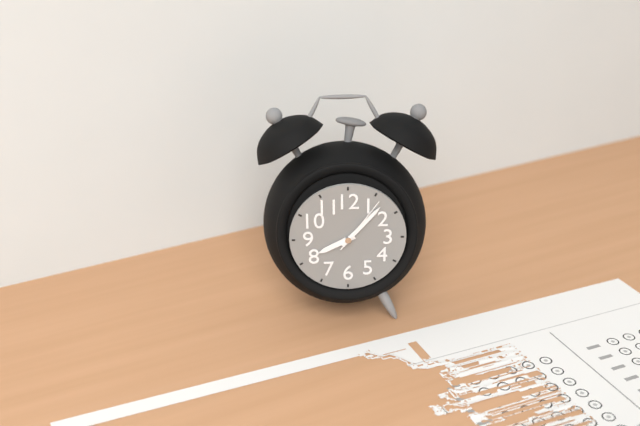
8:07:06
